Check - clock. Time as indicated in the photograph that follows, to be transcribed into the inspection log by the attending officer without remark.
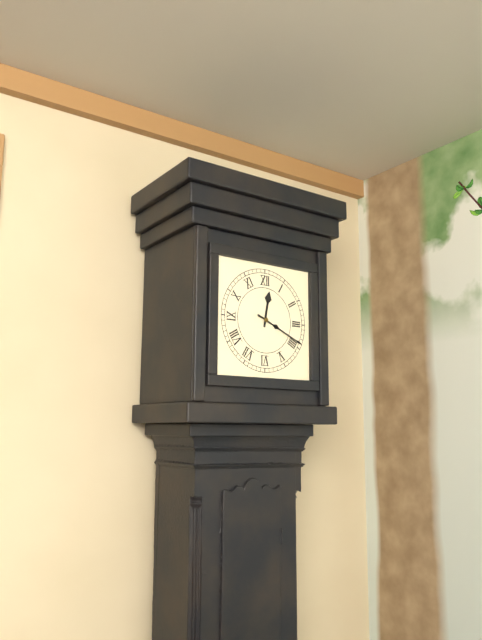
12:19
